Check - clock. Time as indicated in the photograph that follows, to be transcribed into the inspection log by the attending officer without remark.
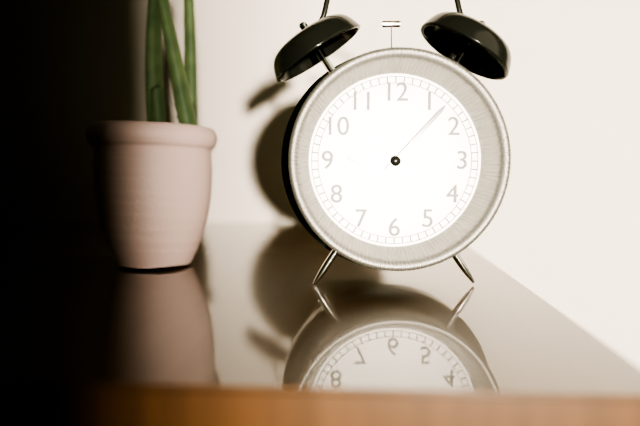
9:07
